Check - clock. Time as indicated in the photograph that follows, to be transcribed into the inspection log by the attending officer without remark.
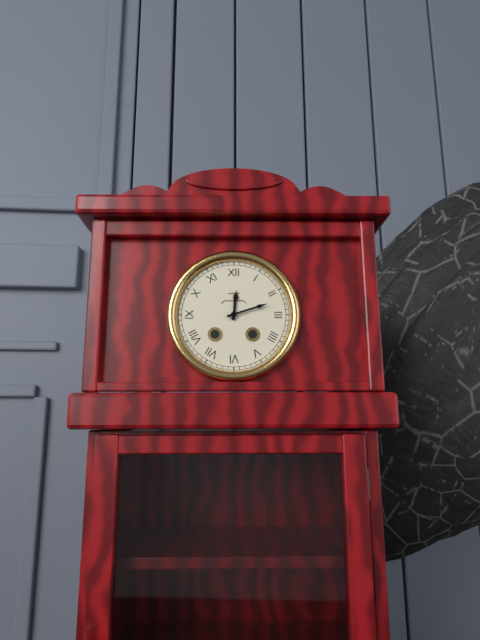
12:12
